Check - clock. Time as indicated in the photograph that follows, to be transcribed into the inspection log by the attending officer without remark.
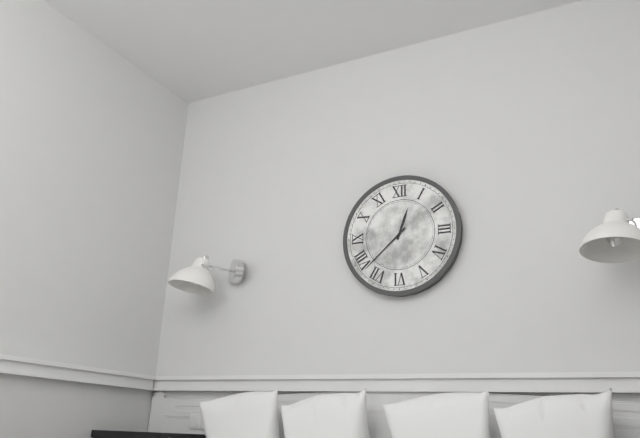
12:38
